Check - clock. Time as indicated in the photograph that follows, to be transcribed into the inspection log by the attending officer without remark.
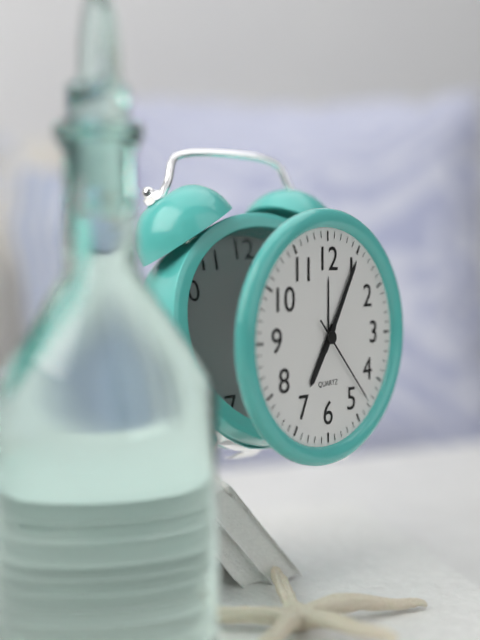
7:05:23
